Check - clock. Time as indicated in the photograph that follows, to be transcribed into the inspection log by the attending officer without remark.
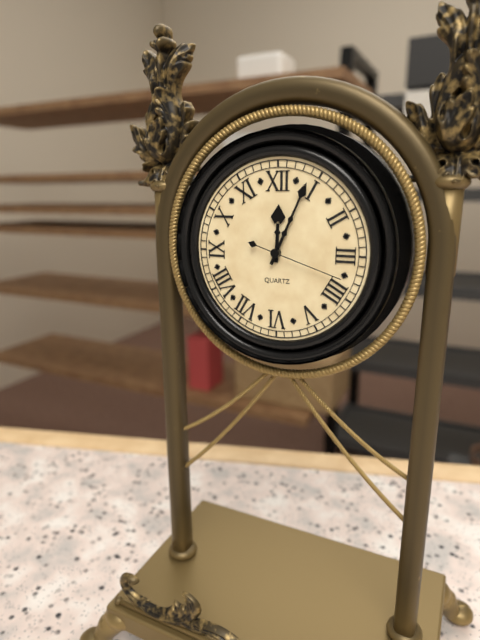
12:04:18
